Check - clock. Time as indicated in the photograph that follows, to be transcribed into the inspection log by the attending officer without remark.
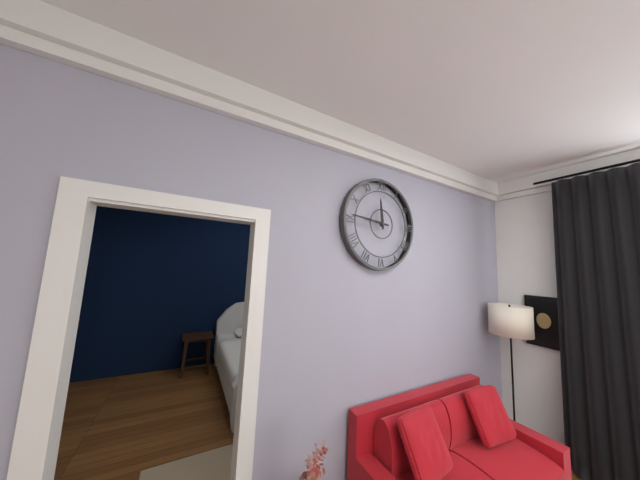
11:46
